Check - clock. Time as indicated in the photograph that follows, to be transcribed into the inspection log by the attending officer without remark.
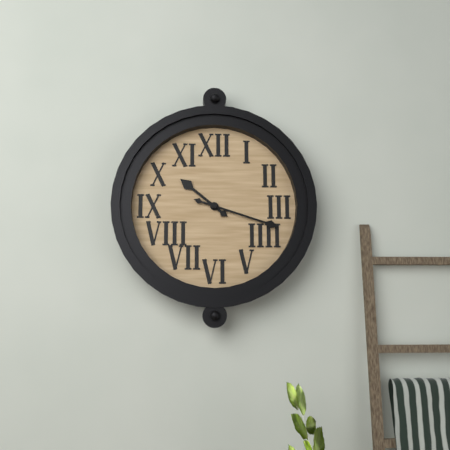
10:18
